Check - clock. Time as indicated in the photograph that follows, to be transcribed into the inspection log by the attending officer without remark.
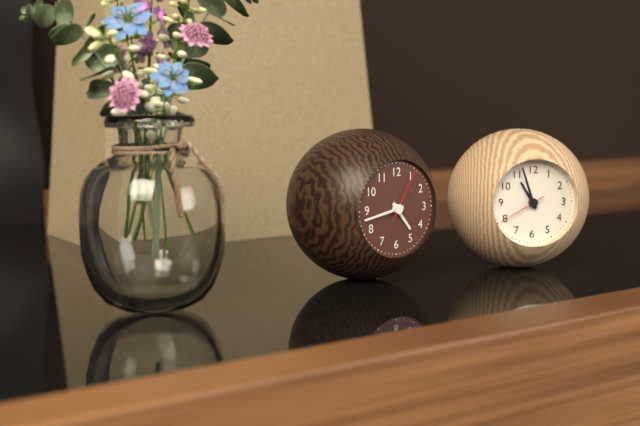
4:43:05
